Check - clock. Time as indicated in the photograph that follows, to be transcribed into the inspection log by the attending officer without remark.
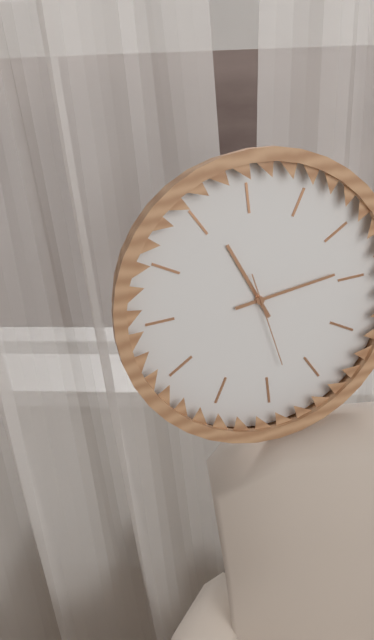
11:14:28
